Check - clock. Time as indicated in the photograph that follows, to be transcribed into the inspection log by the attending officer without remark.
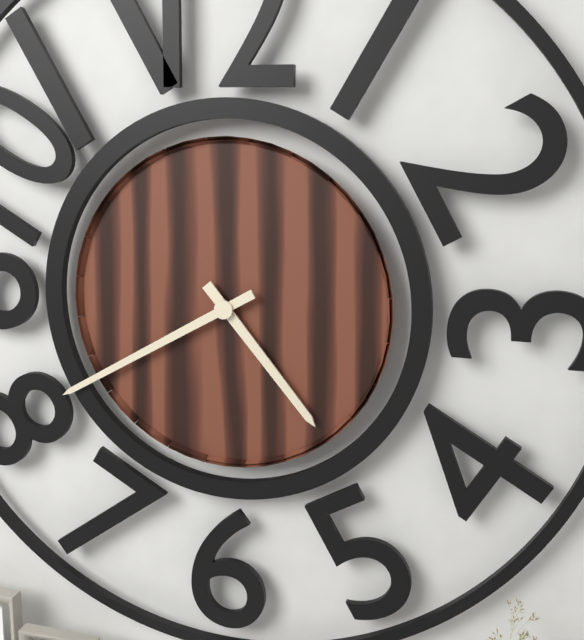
4:40
